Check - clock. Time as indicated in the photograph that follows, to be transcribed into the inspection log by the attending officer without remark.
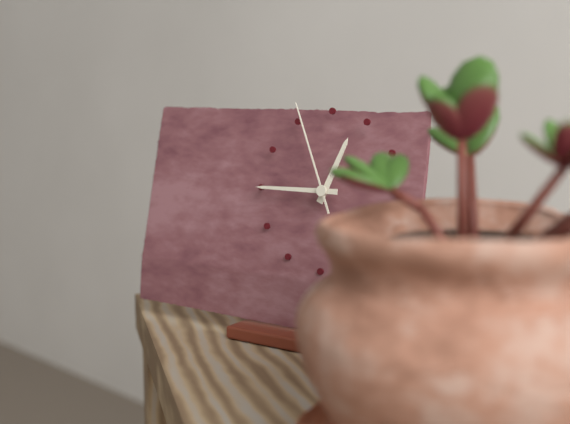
12:45:56
